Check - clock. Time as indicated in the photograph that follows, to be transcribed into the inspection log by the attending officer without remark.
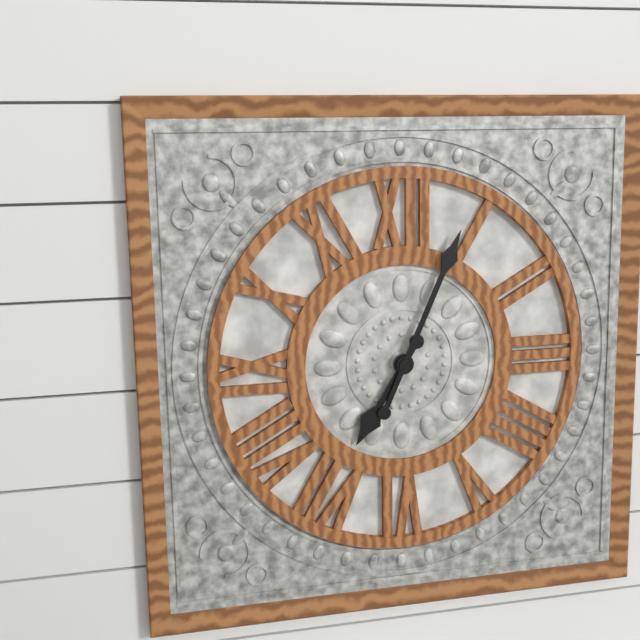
7:04
